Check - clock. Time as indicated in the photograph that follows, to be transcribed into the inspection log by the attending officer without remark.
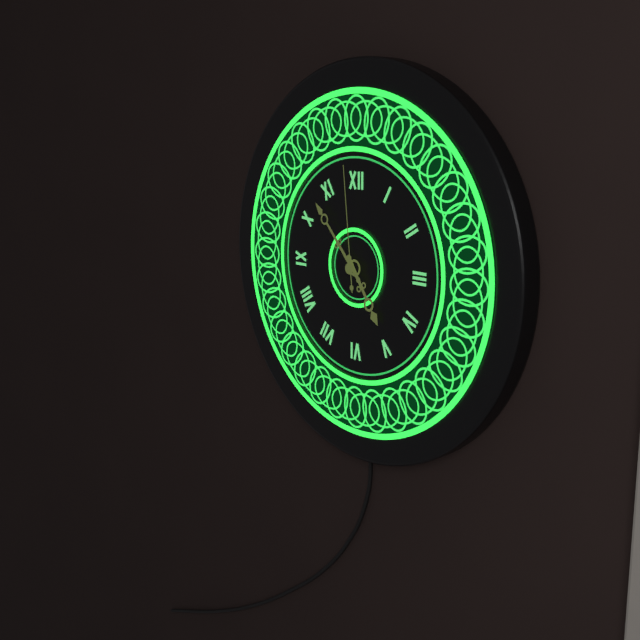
4:53:59
